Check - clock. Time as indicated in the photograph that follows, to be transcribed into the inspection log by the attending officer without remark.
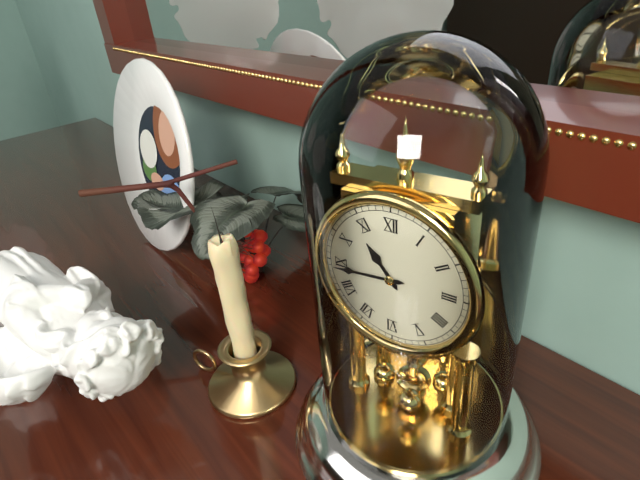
10:44
